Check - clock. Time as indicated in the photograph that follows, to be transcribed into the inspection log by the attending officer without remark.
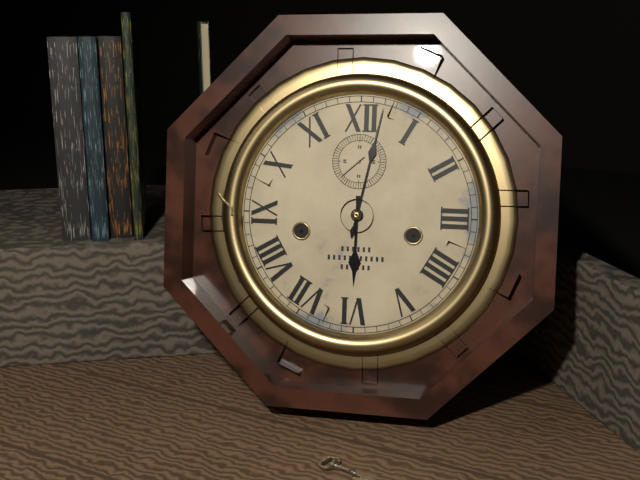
6:02
